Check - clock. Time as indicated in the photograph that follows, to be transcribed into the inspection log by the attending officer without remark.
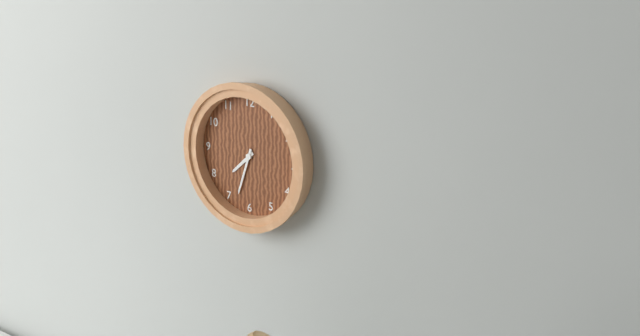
7:33
